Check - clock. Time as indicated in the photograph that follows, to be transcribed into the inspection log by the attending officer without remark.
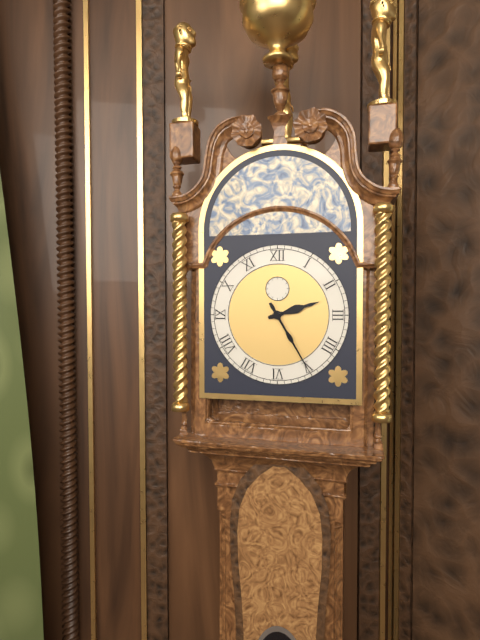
2:25
